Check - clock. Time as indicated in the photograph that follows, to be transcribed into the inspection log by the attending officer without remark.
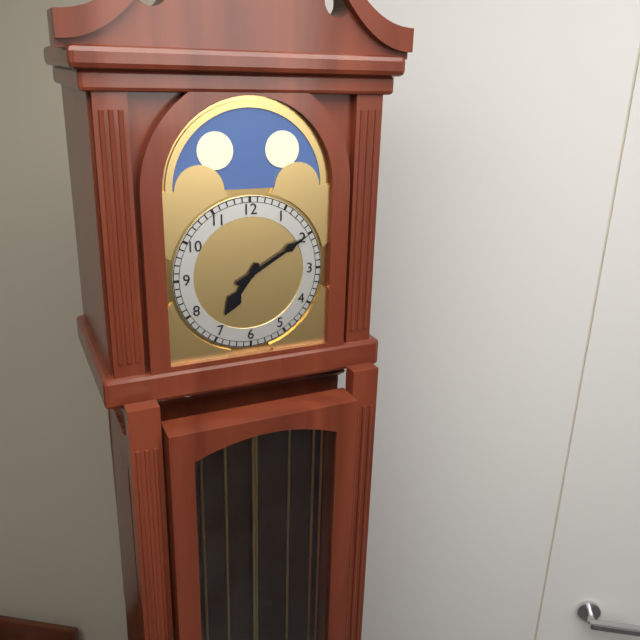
7:10
